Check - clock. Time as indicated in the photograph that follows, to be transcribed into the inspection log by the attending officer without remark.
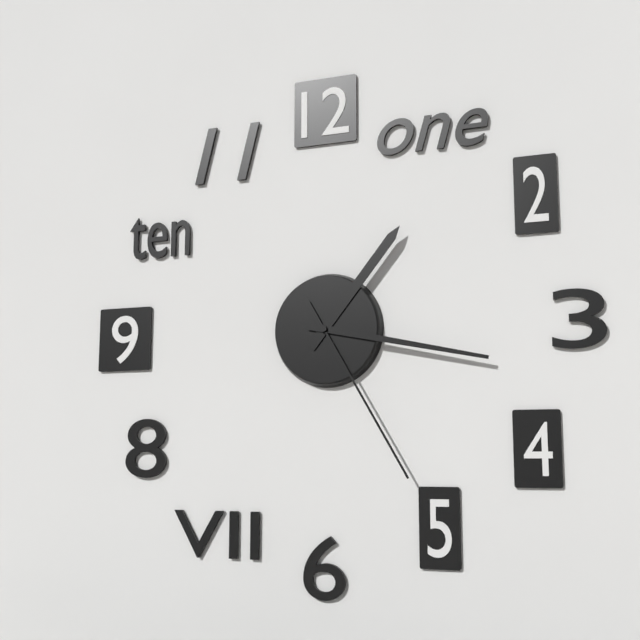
1:17:25
